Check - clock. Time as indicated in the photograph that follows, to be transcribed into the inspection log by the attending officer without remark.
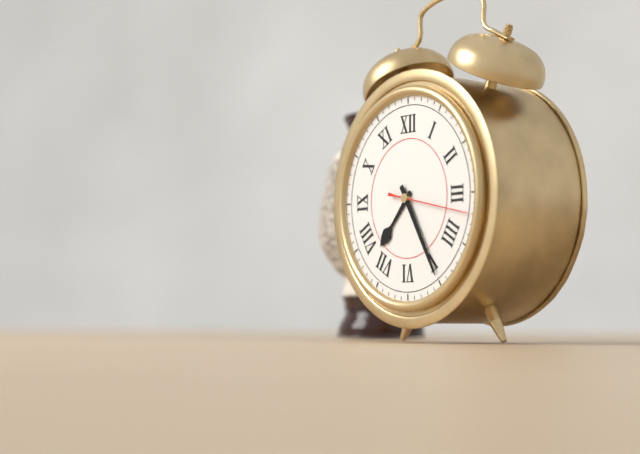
7:25:17
